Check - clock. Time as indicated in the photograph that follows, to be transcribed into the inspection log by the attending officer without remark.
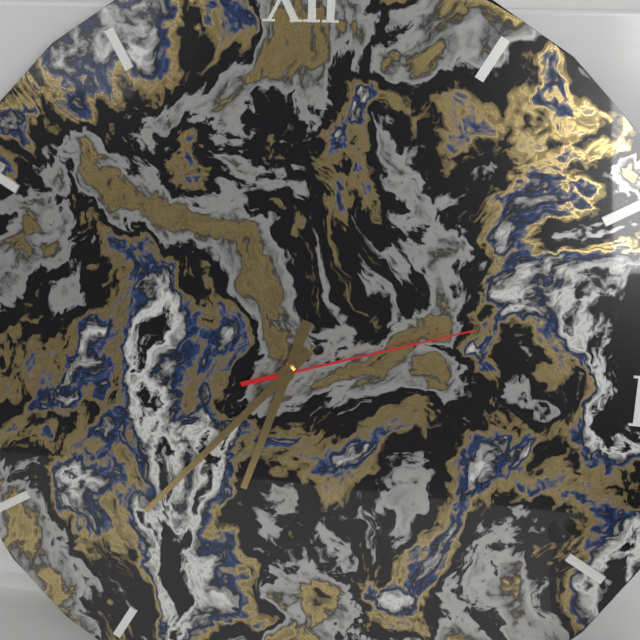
6:37:12
